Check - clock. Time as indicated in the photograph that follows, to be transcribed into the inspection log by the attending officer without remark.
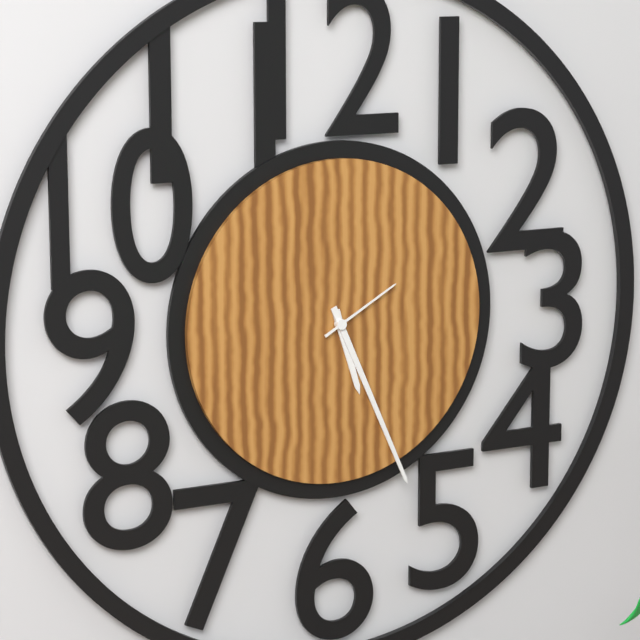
5:26:10
